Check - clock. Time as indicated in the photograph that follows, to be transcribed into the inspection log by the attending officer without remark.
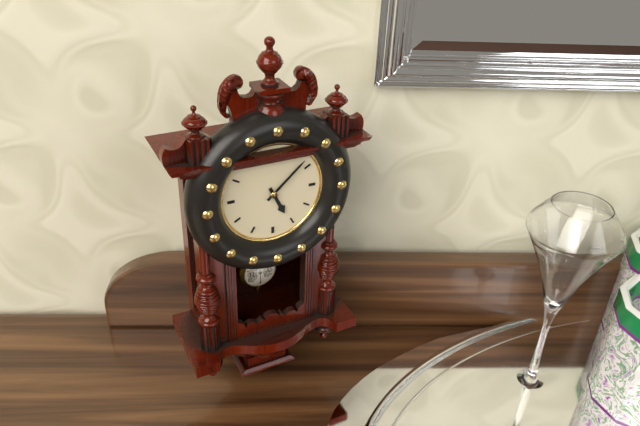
5:08
